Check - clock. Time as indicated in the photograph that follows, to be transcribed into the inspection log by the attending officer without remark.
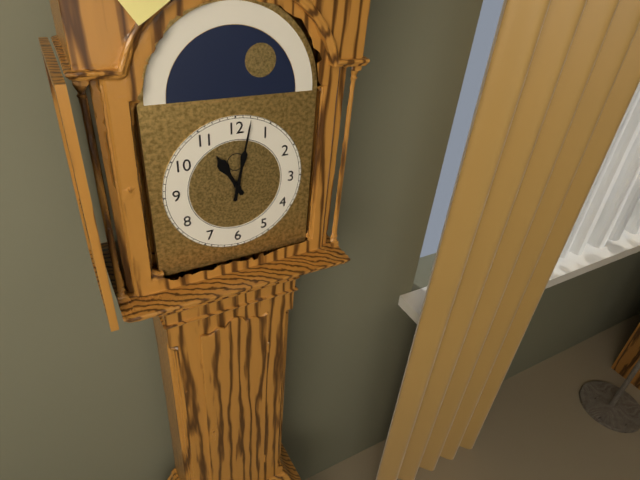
11:02
